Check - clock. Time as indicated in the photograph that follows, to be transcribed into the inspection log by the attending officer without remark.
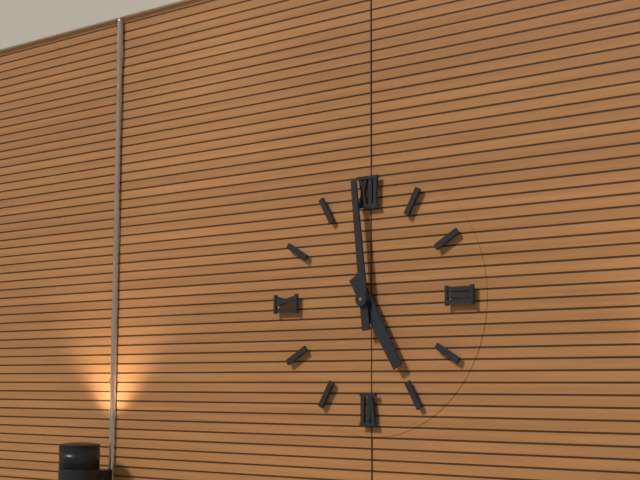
4:59
